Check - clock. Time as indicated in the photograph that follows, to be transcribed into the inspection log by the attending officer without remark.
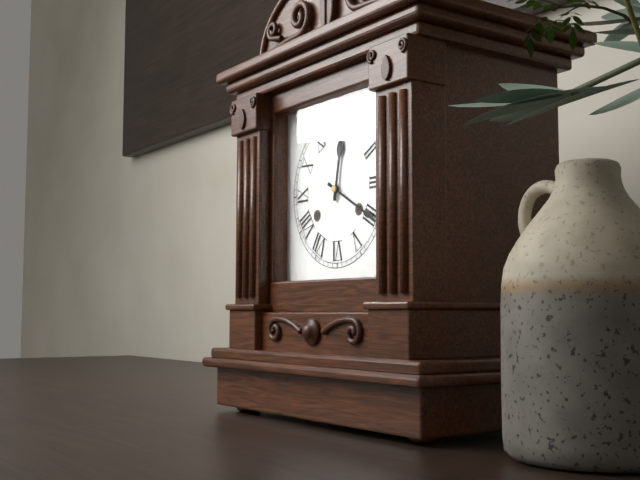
12:20
